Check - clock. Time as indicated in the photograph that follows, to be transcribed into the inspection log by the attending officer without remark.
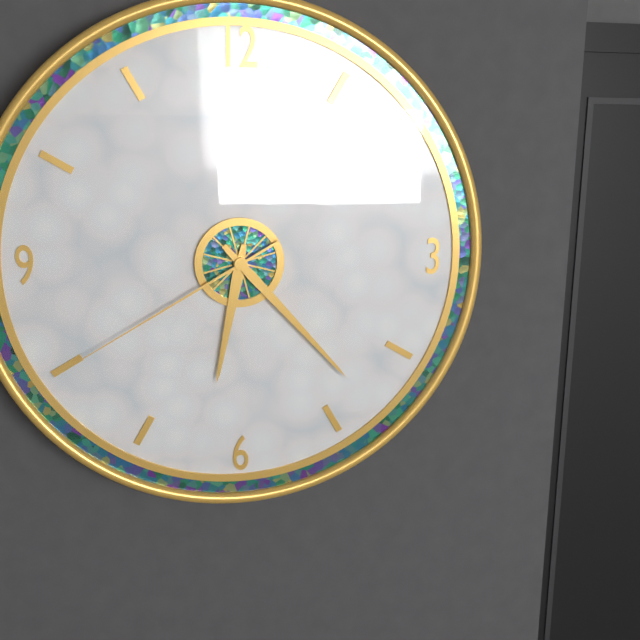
6:23:40
